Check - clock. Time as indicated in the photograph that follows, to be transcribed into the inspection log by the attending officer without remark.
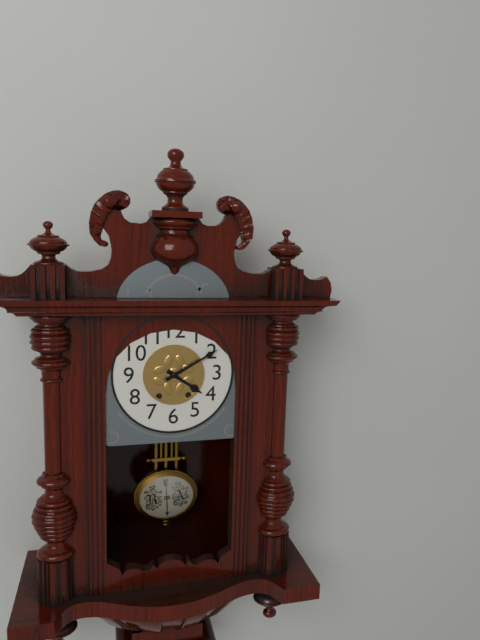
4:10
